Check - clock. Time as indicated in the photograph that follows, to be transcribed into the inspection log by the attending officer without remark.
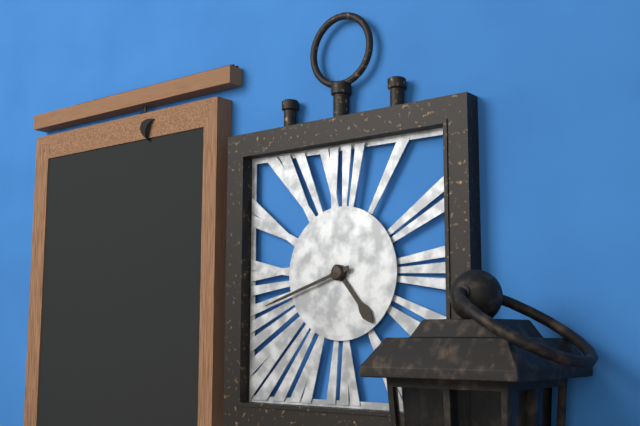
4:42
